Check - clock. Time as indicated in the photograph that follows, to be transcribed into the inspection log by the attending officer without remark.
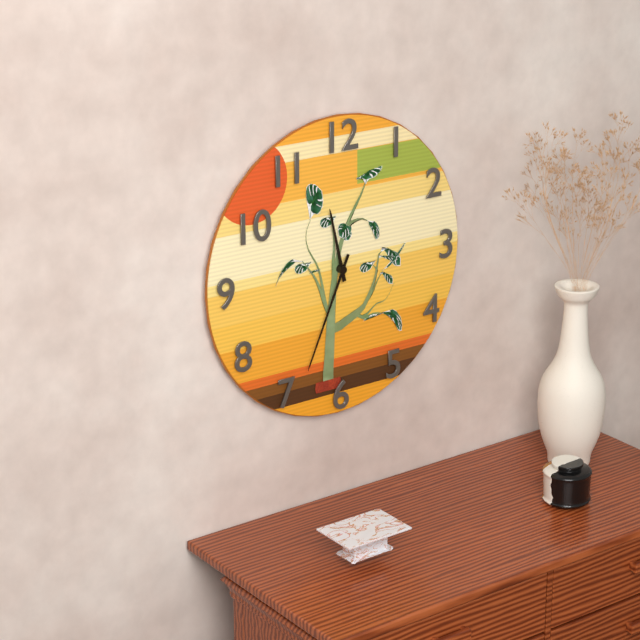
11:34
